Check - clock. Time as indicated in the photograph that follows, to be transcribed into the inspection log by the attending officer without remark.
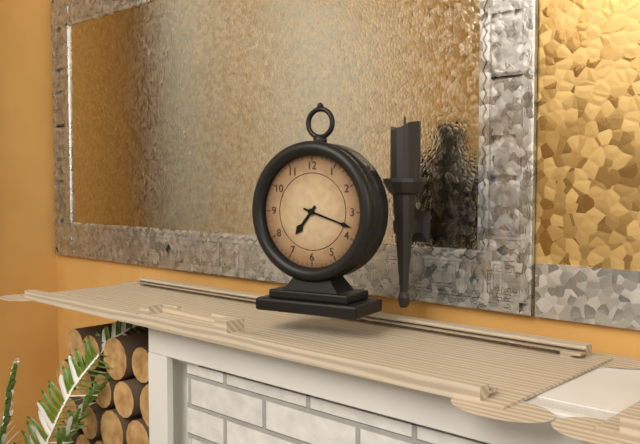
7:18
